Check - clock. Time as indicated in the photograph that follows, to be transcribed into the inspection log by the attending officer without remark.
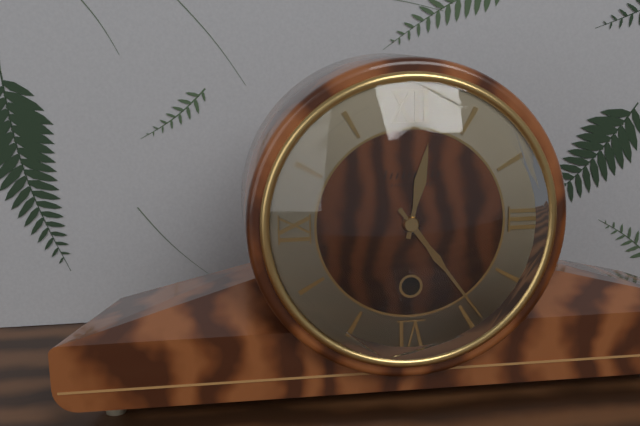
12:24
